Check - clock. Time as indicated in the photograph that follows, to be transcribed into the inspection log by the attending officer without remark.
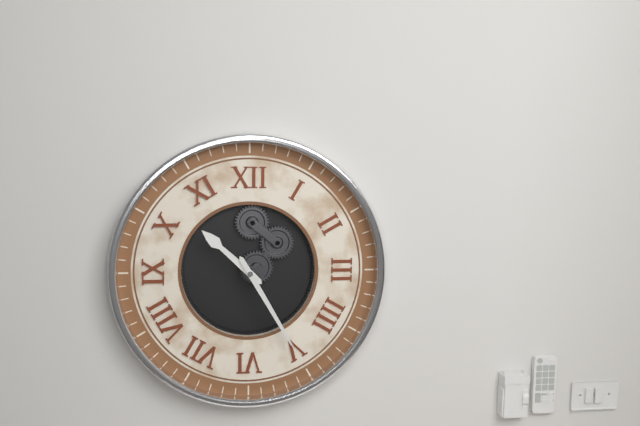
10:25
